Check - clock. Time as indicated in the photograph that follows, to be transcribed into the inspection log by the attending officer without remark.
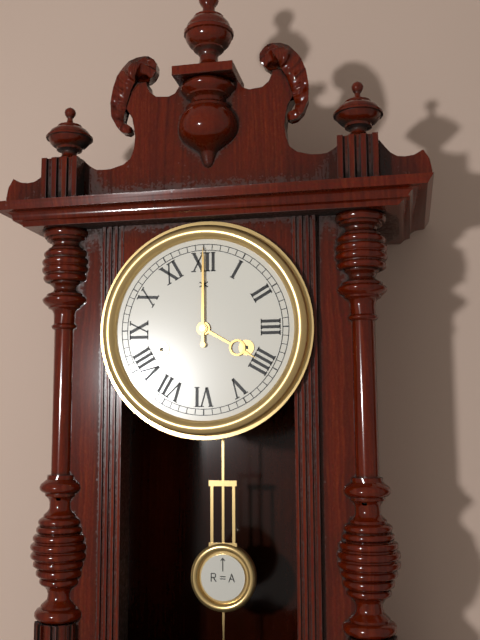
4:00
